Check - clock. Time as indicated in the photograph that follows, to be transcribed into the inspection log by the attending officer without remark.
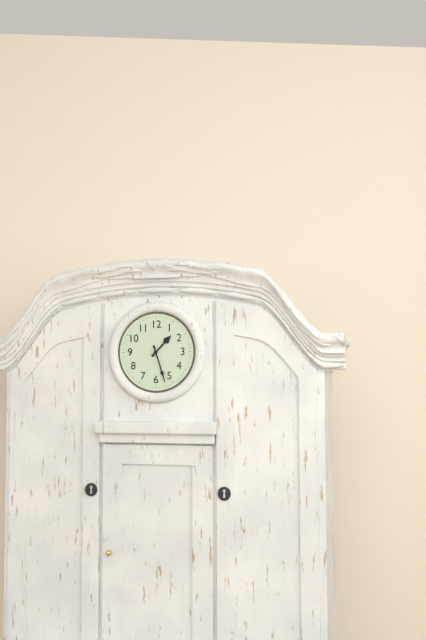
1:27
